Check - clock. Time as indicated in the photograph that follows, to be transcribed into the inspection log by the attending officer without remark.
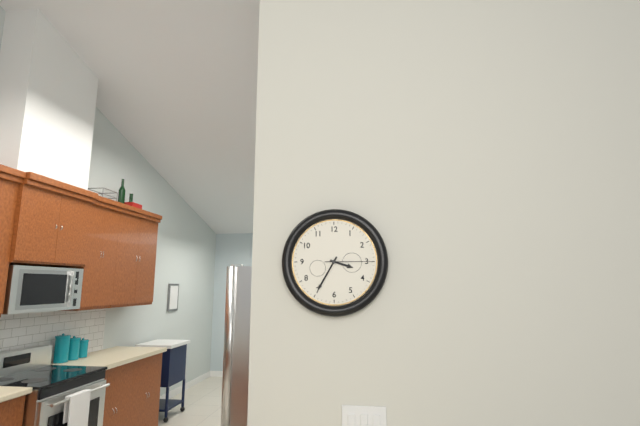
3:35
